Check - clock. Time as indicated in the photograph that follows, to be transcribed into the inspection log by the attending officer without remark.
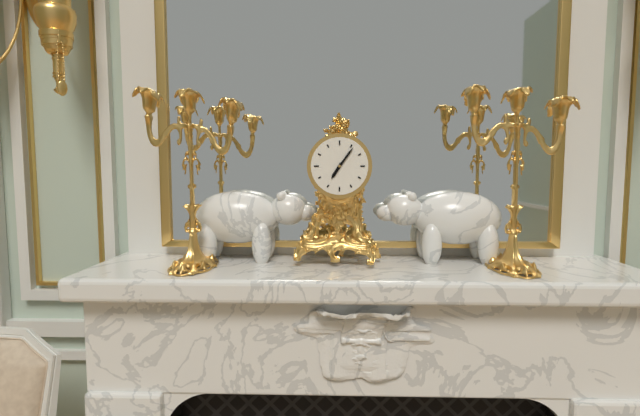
7:06
